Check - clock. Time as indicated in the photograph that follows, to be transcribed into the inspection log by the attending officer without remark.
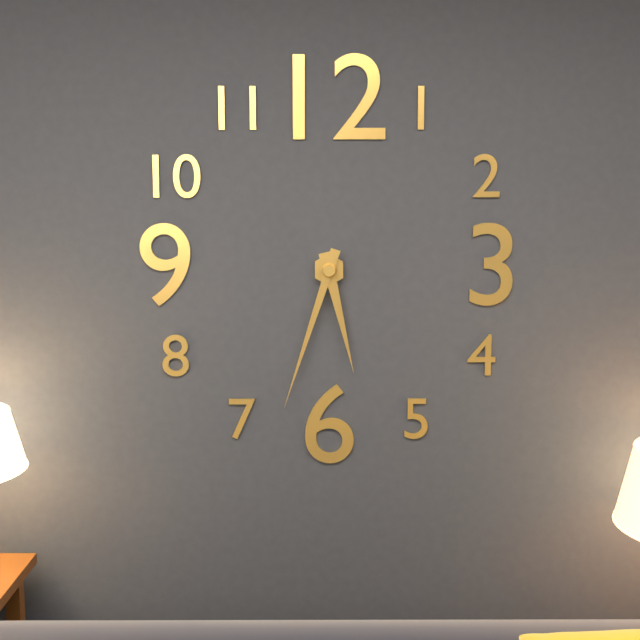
5:33
